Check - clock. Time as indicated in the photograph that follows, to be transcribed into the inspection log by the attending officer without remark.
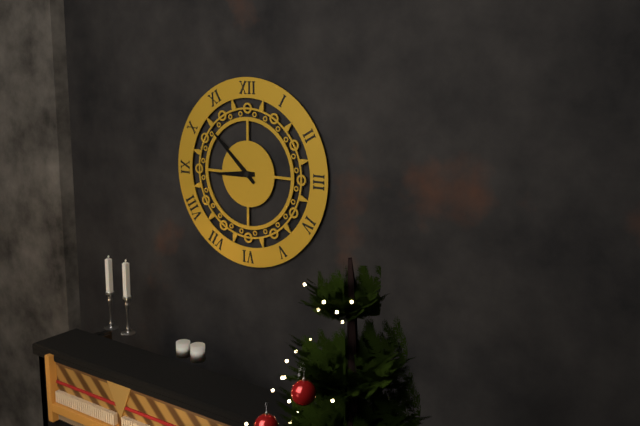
8:52
